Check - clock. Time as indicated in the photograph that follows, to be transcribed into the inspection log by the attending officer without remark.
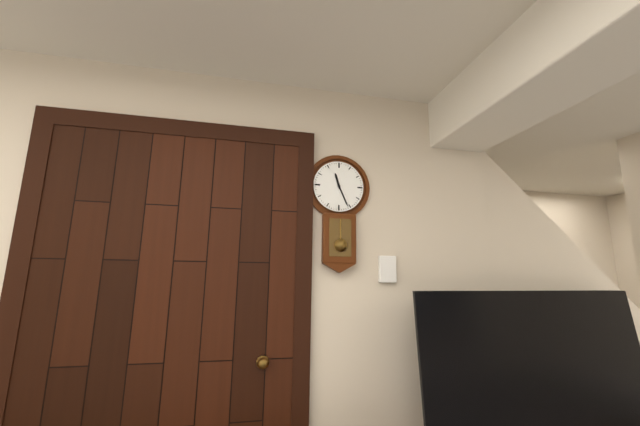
11:26
